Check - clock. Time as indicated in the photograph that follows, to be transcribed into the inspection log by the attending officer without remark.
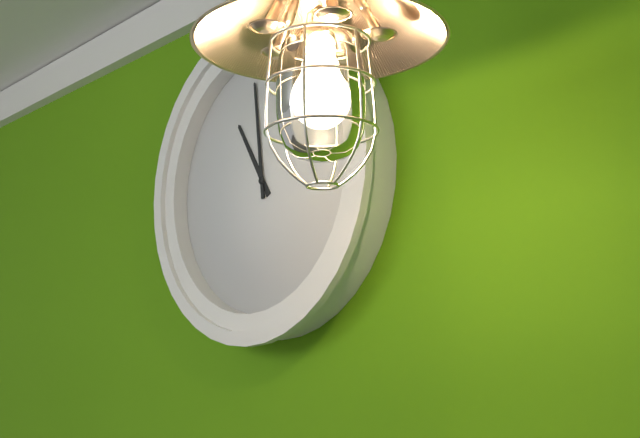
10:59
